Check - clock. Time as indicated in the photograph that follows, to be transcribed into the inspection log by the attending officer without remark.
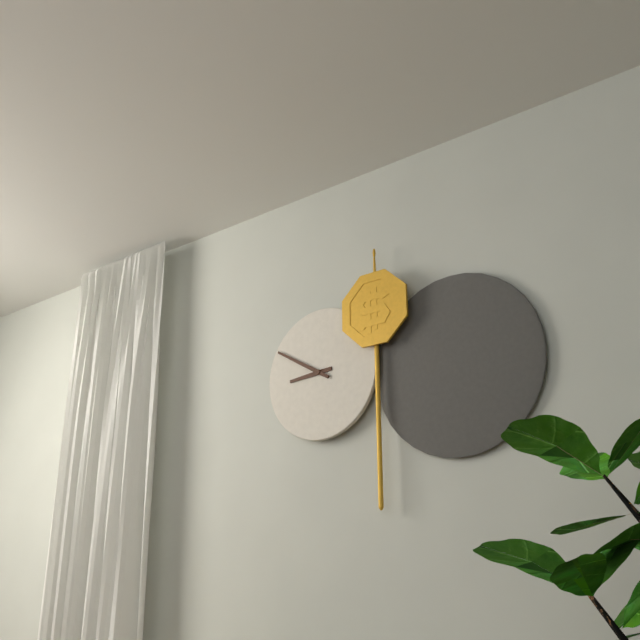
8:50
